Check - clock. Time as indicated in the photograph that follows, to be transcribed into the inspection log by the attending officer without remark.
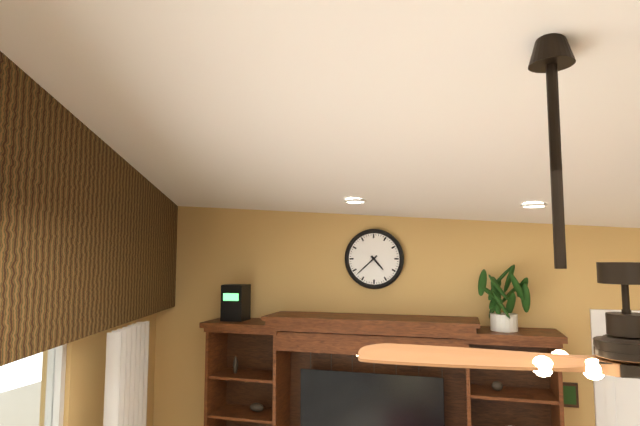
4:38
